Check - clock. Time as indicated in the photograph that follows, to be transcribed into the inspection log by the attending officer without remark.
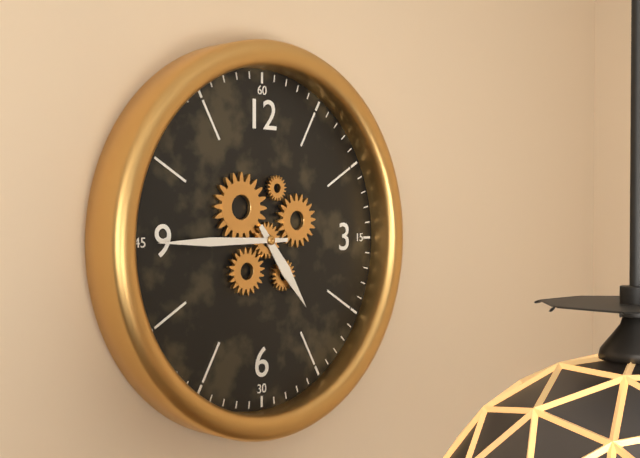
4:45
